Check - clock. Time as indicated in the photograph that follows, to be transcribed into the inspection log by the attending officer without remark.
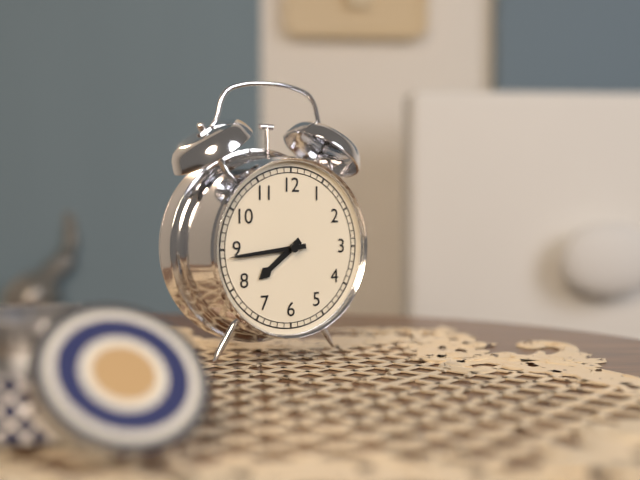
7:44
